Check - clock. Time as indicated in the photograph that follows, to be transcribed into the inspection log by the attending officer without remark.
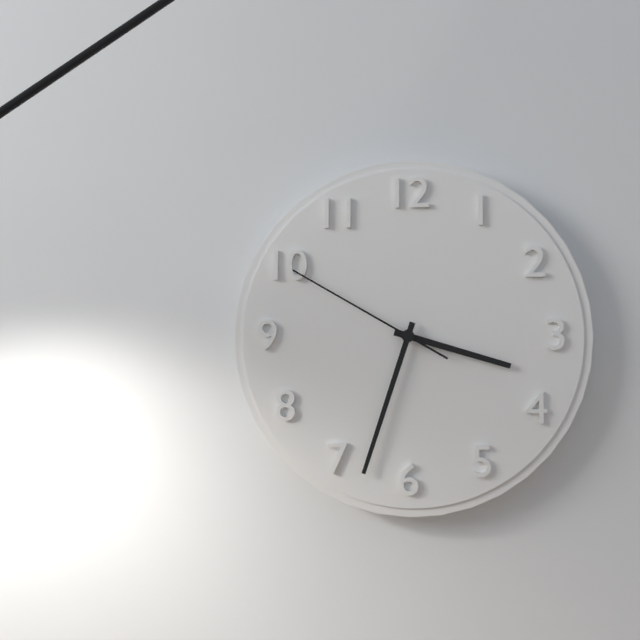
3:33:50
